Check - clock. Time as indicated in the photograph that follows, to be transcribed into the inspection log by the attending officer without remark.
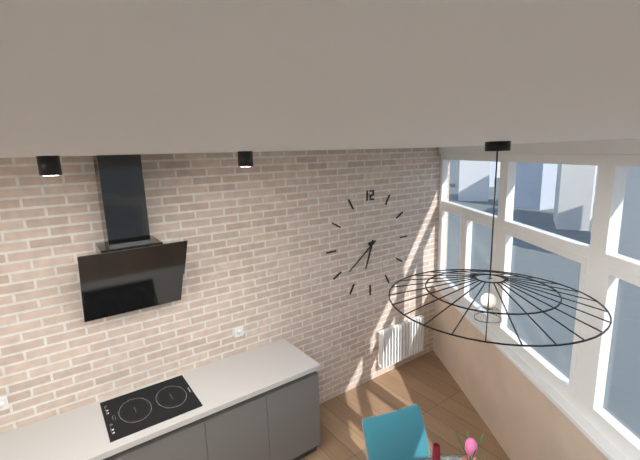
6:39
